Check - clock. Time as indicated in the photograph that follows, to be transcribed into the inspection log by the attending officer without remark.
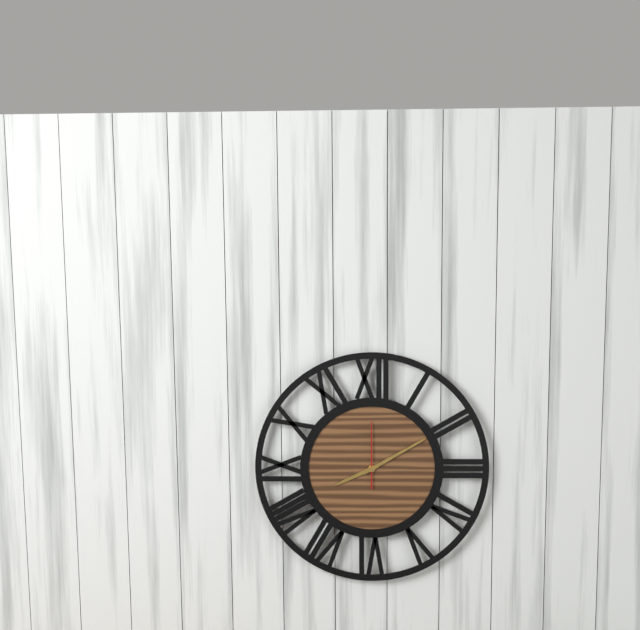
8:10:00
